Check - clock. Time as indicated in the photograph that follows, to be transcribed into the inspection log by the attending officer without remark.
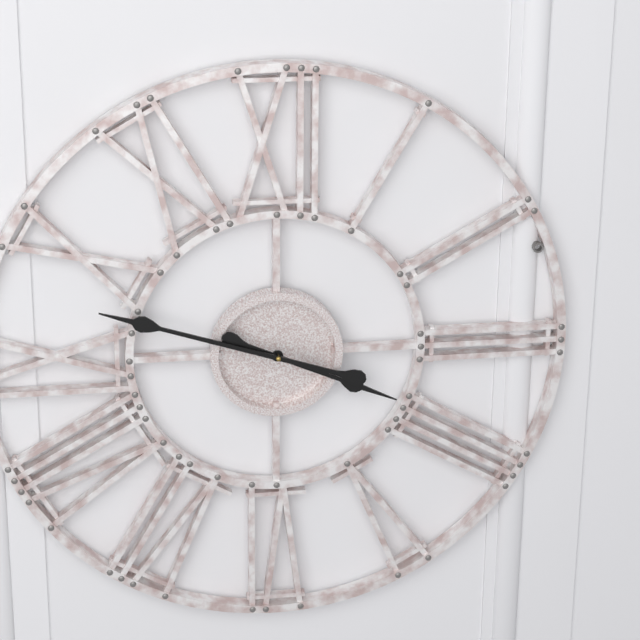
3:48
